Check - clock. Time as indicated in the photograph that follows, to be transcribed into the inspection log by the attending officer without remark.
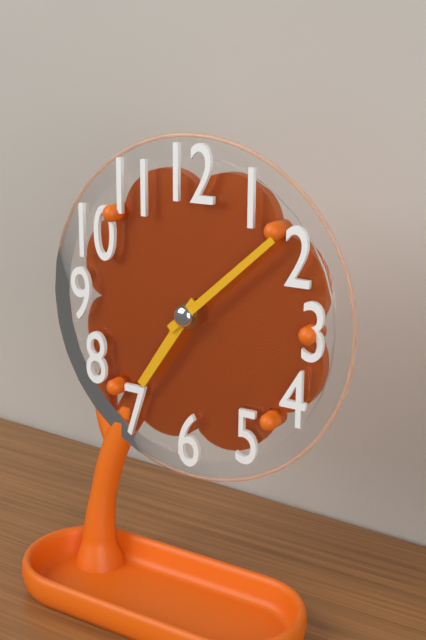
7:08
